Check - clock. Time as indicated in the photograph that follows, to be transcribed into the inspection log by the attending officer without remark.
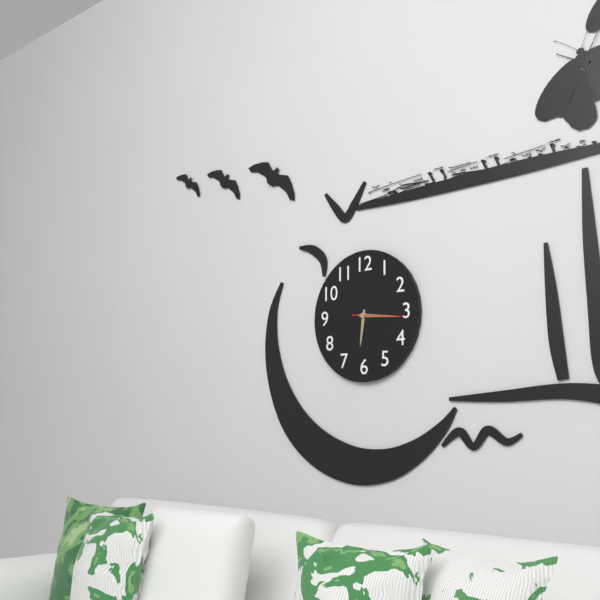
6:16:16
